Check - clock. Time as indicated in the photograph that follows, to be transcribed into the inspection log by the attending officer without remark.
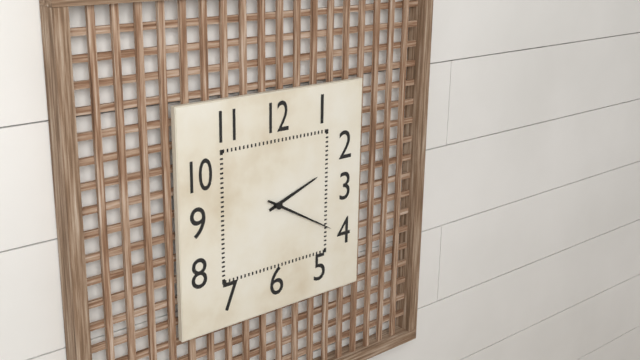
2:20
